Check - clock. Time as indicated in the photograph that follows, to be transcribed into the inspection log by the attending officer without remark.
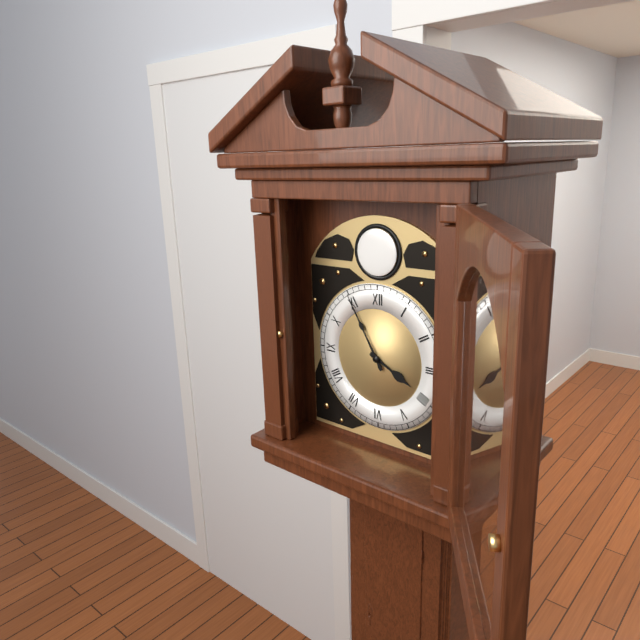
3:55
